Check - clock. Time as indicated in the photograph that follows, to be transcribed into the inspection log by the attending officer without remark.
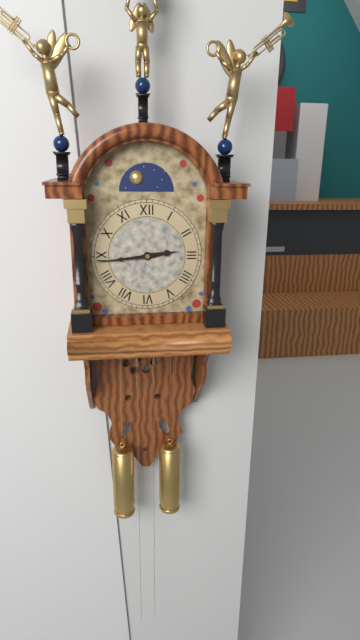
2:44
